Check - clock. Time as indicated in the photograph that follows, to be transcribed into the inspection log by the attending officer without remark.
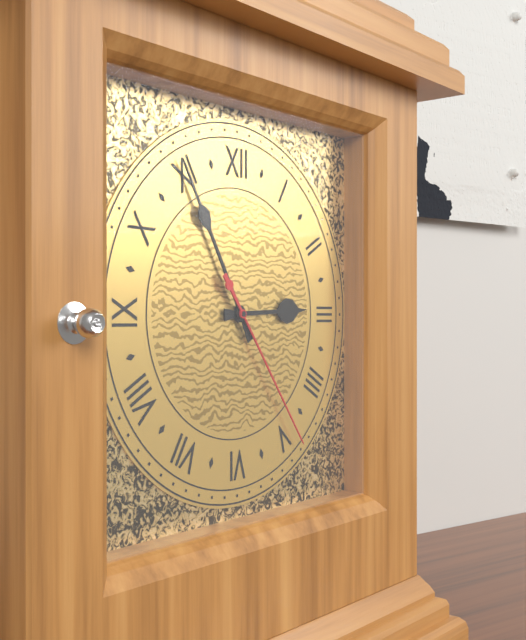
2:55:24
